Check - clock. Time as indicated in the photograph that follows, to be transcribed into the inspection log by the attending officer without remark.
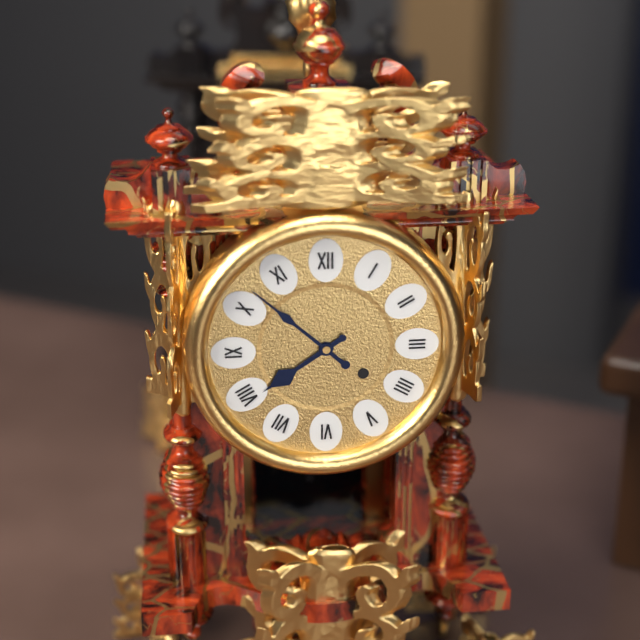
7:52
